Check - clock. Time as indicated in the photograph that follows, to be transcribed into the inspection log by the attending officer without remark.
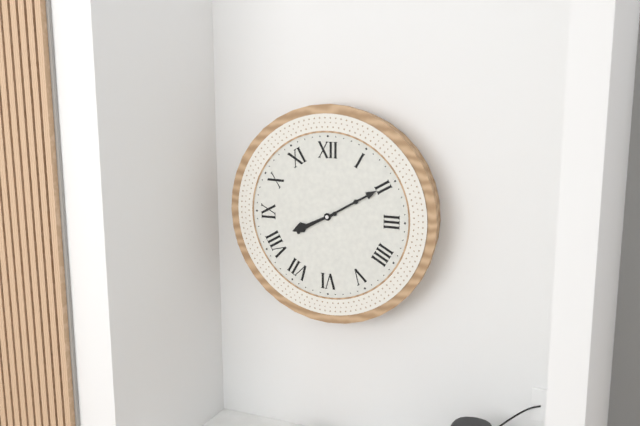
8:10
